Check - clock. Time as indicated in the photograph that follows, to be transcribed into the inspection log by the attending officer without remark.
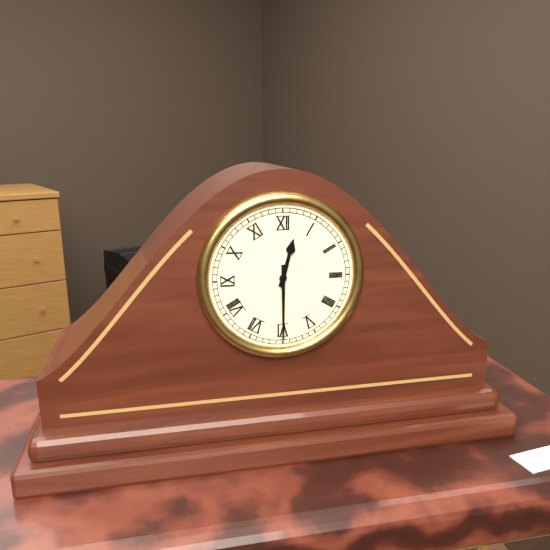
12:30
